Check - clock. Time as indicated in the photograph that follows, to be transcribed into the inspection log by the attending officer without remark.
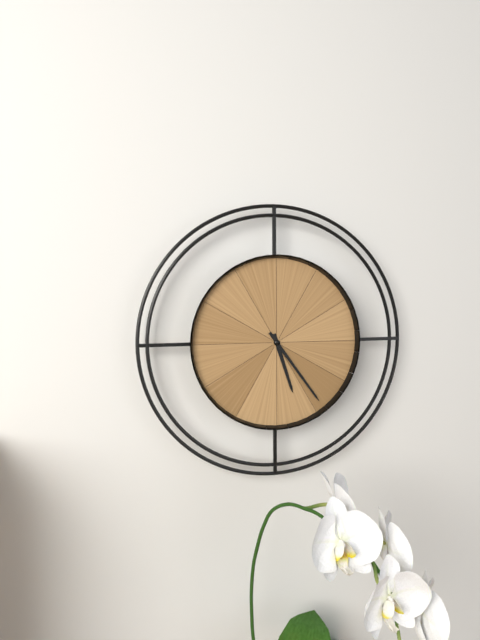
5:24
